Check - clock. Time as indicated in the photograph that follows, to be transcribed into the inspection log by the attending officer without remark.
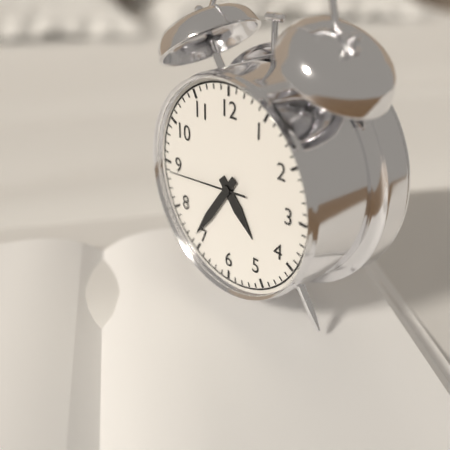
4:36:44
